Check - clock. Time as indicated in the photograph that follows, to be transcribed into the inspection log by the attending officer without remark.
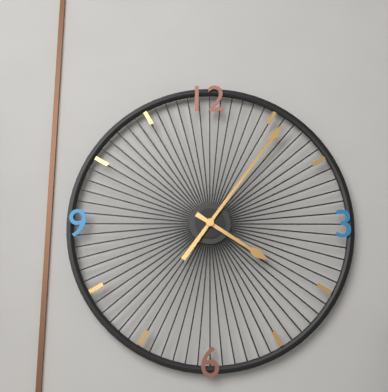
4:06
